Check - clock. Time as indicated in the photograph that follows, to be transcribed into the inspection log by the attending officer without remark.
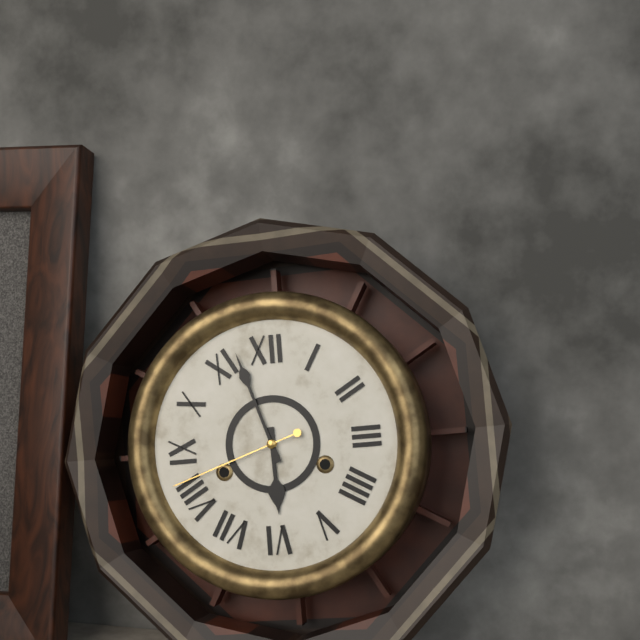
5:57:42
